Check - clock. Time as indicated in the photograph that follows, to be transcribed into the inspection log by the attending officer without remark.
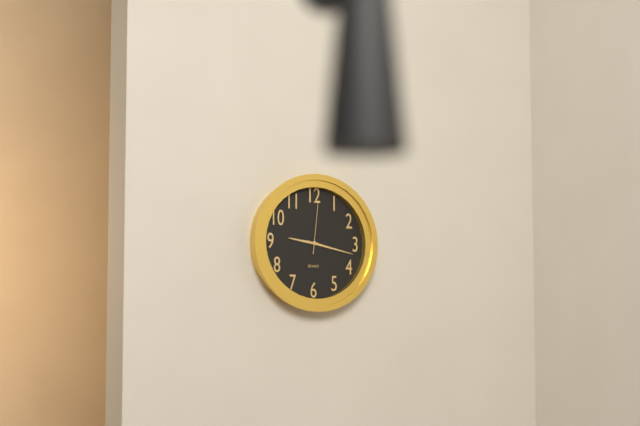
9:17:01
